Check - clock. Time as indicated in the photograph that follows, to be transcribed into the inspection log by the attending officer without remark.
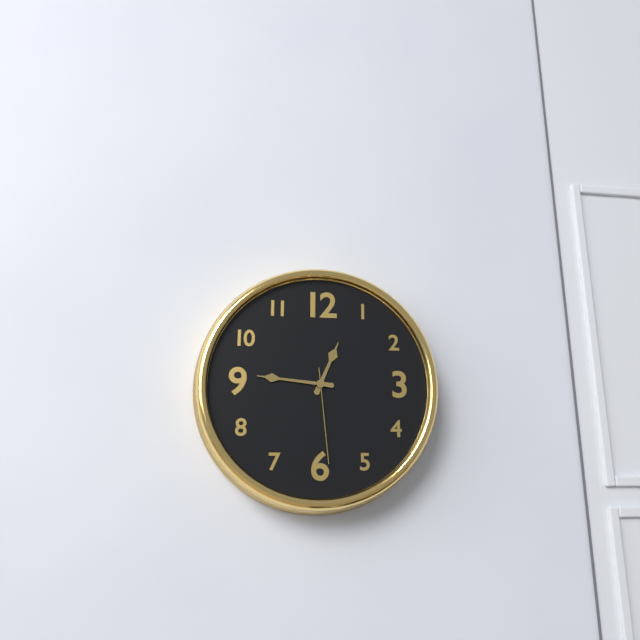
12:46:29
